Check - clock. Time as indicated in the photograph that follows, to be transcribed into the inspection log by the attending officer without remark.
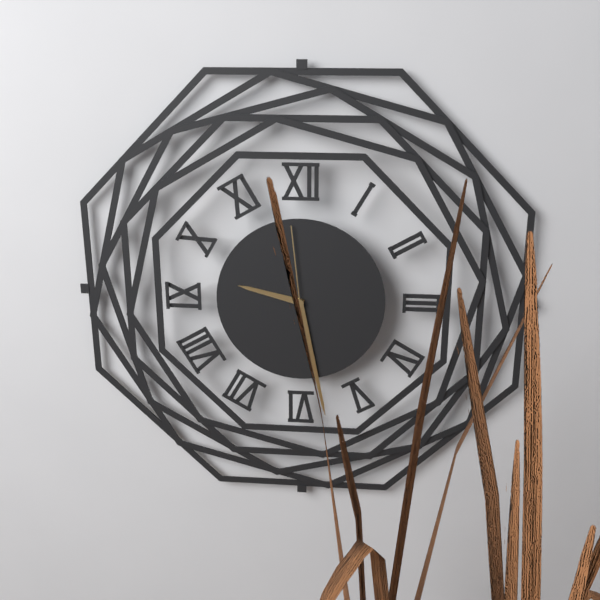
9:28:59
